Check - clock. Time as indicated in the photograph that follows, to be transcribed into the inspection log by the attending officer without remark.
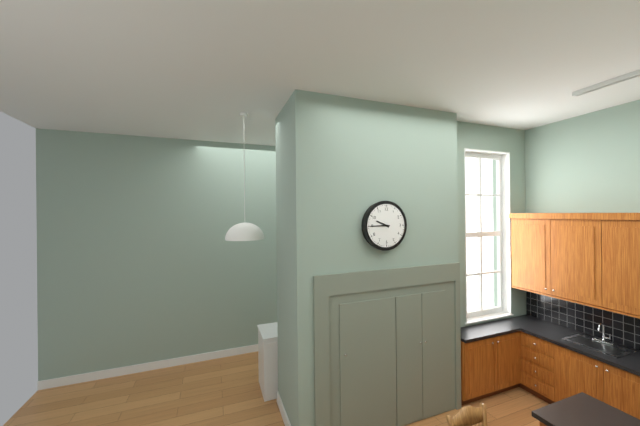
9:45
